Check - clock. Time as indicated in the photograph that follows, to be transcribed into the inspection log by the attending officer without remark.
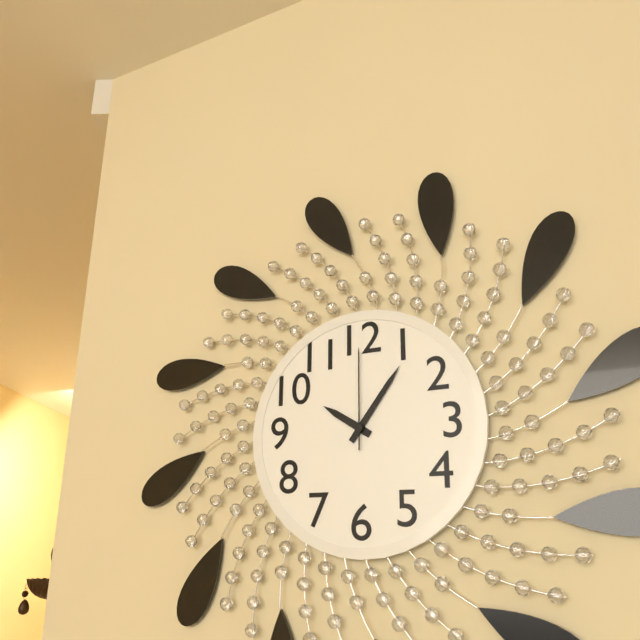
10:06:00
